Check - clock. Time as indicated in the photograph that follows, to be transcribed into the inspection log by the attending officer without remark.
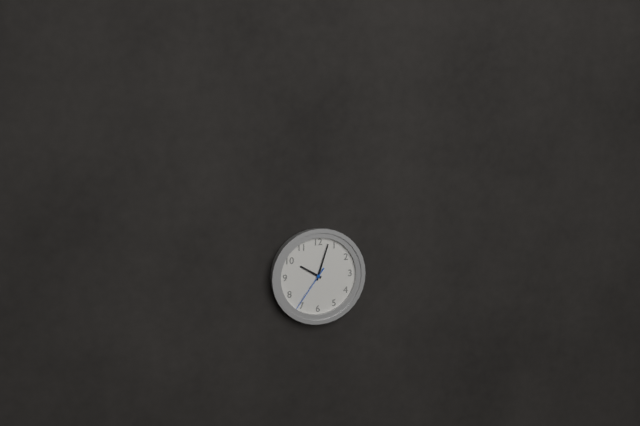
10:03
